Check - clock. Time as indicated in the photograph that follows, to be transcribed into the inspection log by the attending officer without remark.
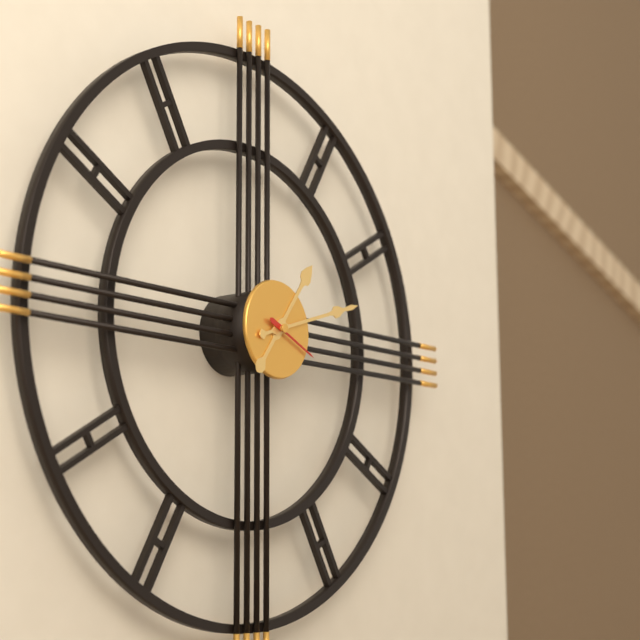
1:12:19
